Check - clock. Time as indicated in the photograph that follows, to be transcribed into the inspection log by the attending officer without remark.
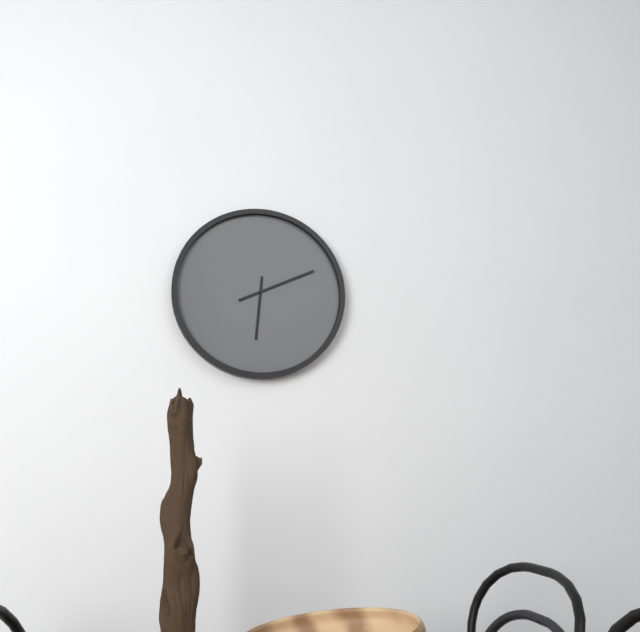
6:11
